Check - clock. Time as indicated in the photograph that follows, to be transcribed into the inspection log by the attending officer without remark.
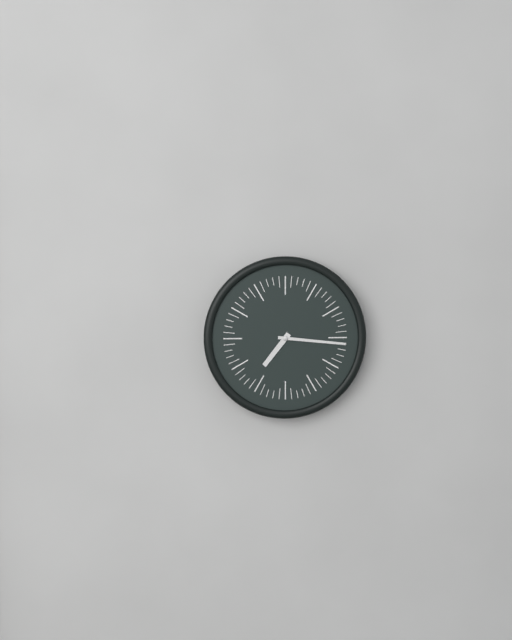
7:16
